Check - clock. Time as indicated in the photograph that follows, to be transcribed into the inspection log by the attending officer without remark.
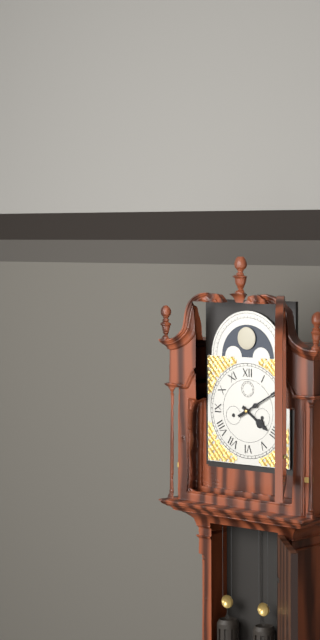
4:10
